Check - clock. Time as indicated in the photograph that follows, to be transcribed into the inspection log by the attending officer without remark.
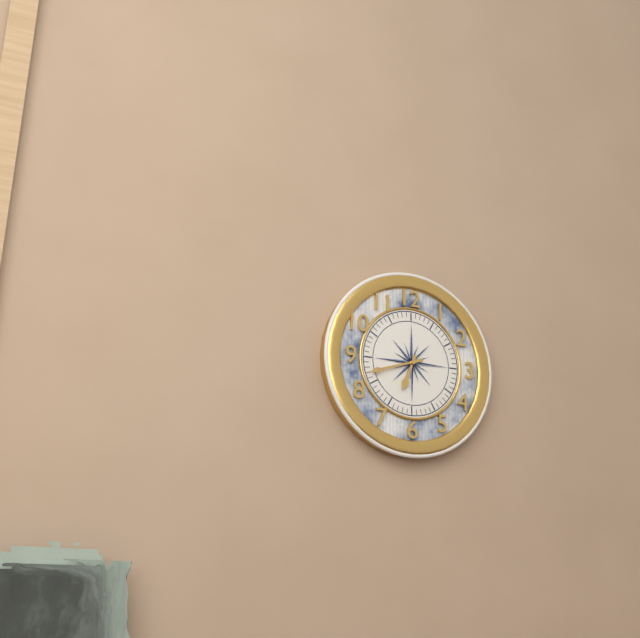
6:42
